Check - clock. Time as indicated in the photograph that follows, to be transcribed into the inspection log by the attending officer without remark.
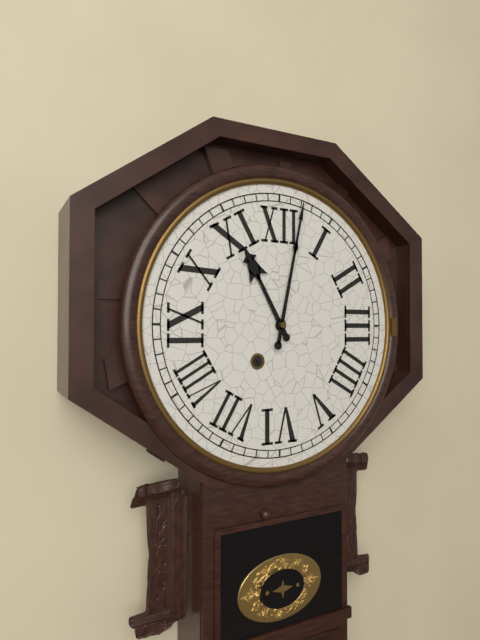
11:02
